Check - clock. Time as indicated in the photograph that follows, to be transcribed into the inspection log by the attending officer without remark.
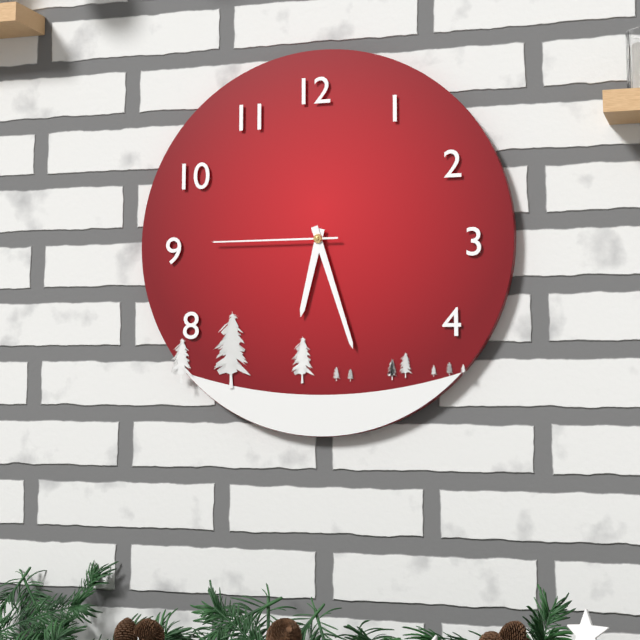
6:27:45
